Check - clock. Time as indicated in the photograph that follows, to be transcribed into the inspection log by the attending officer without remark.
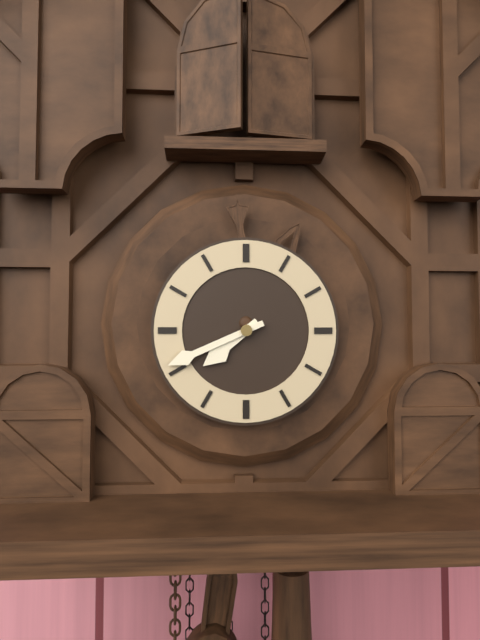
7:41
